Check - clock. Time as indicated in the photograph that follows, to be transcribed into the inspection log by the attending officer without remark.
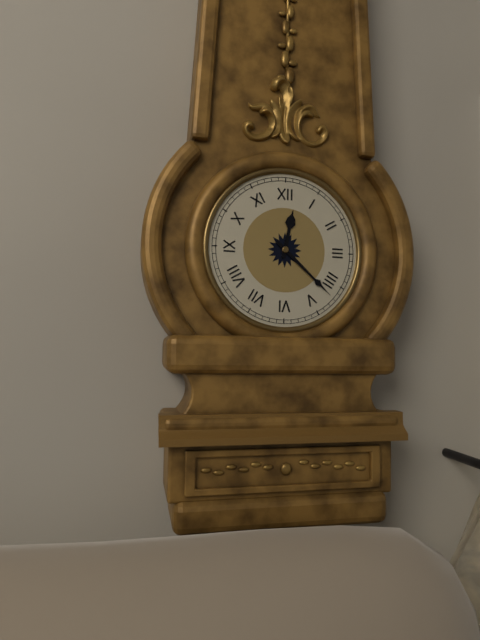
12:22
